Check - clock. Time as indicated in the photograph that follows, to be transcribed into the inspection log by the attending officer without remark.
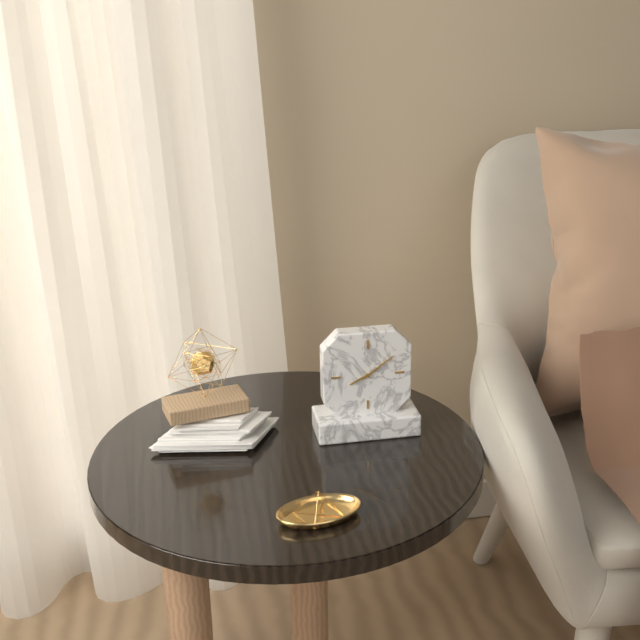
8:09
